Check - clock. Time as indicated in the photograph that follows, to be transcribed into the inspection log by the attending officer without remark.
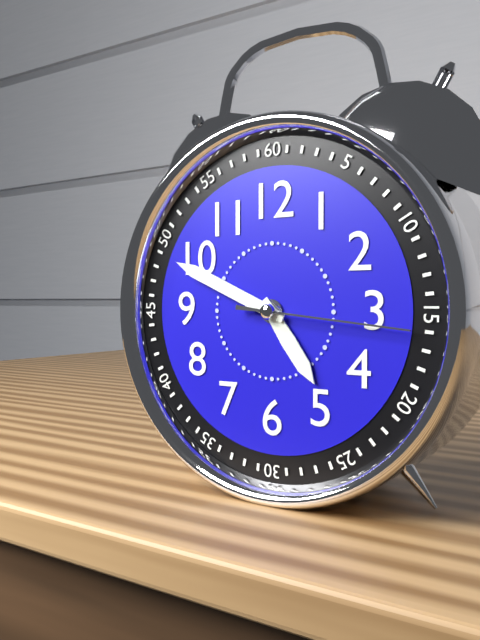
4:49:16
